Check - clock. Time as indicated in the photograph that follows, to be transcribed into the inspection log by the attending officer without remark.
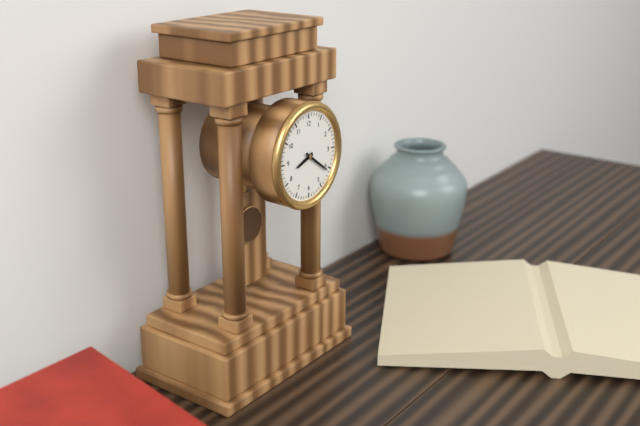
8:21
